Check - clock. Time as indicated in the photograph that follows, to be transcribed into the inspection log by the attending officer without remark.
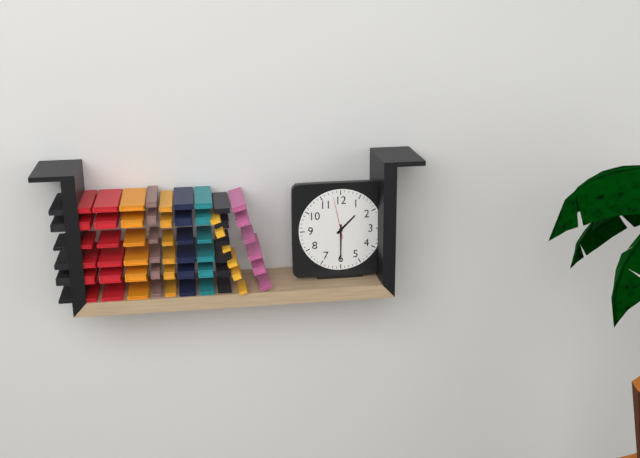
1:30
